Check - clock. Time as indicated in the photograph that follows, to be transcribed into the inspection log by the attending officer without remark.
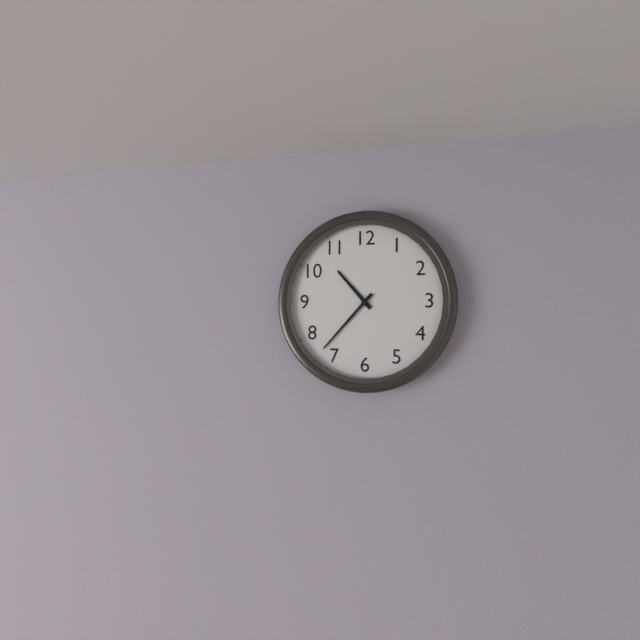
10:37
